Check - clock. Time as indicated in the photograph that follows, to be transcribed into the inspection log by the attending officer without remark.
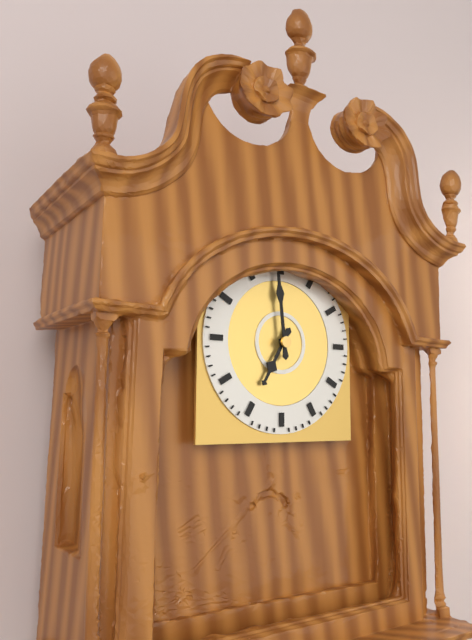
6:59
